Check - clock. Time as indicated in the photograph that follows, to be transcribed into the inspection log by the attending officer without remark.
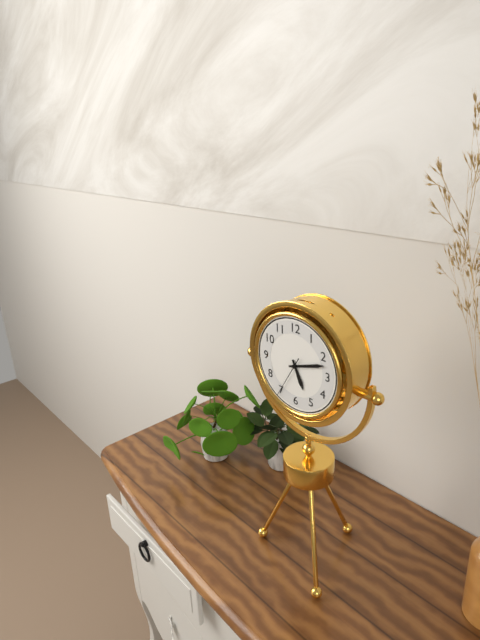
5:12
